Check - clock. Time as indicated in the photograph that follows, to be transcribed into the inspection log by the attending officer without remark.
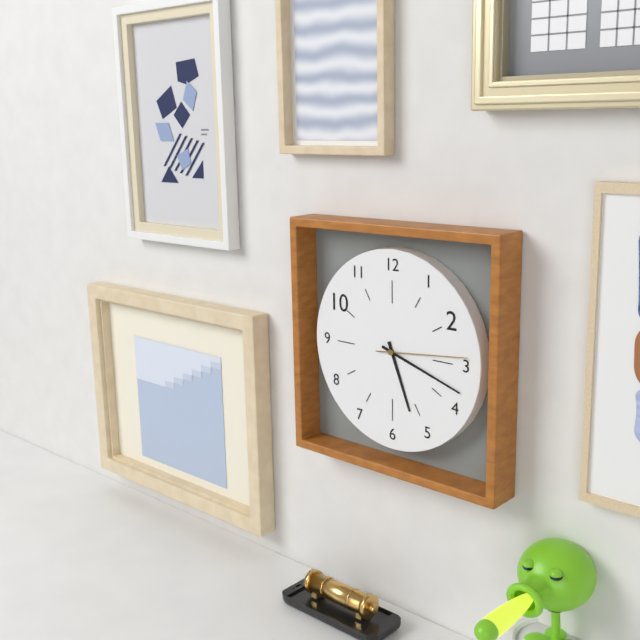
5:18:14
